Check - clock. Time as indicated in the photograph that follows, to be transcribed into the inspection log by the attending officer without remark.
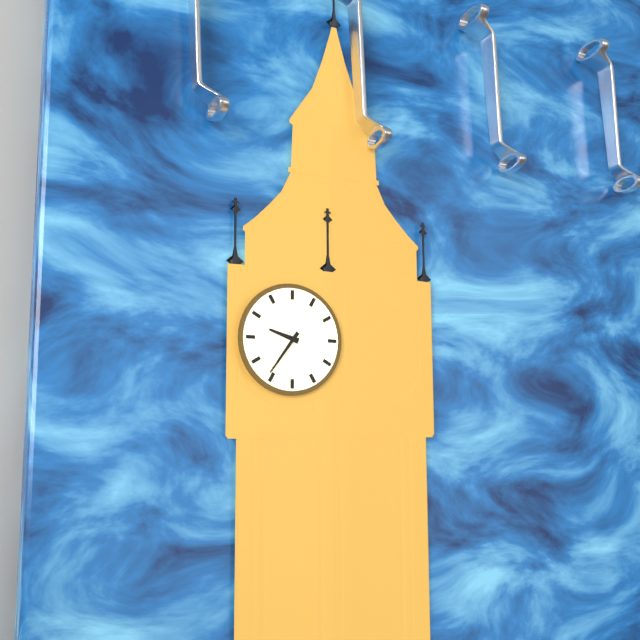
9:36
